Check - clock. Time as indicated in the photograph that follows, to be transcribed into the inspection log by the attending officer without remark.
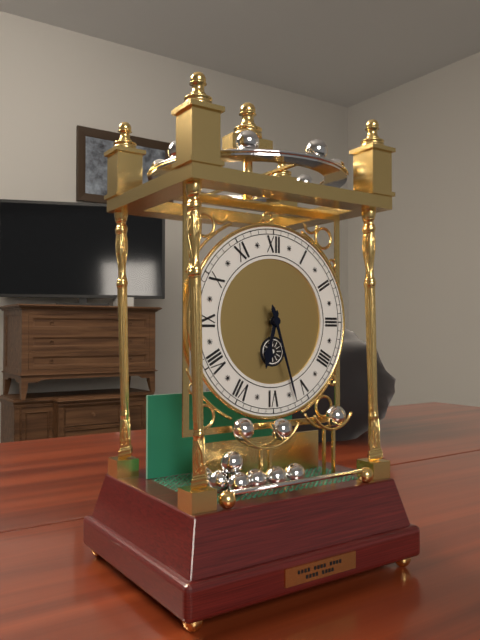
6:27
